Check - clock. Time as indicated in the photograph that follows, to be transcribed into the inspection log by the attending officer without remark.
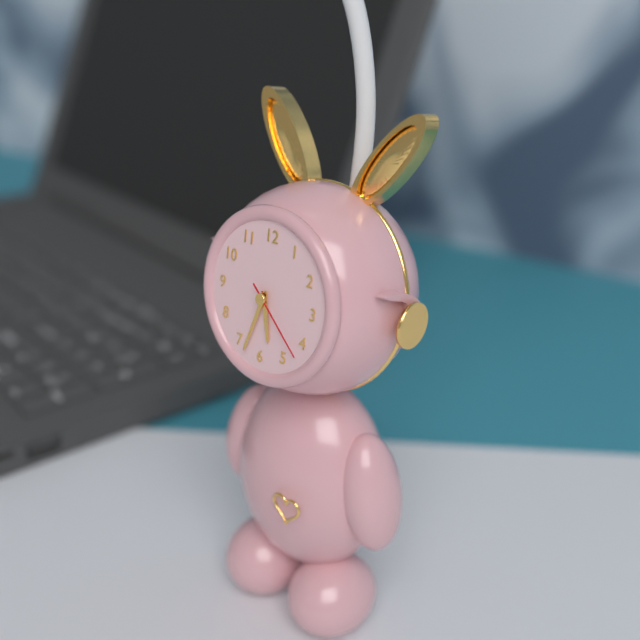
5:33:22
